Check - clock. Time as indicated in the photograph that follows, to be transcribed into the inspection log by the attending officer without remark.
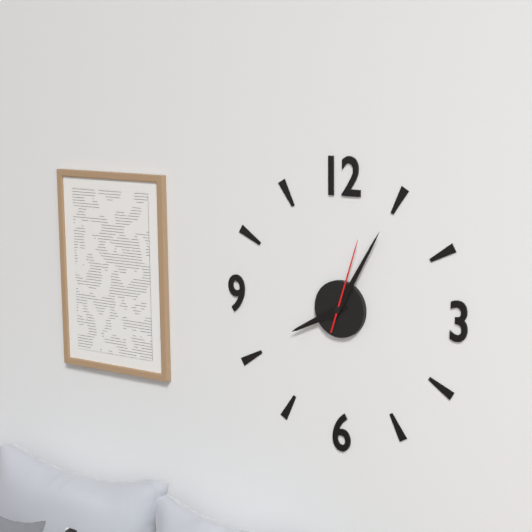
8:05:03
